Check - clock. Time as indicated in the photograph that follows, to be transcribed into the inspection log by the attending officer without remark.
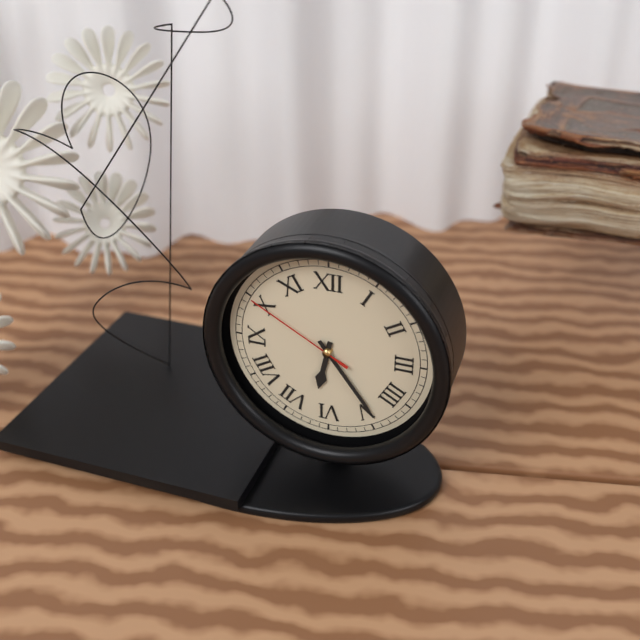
6:24:50
